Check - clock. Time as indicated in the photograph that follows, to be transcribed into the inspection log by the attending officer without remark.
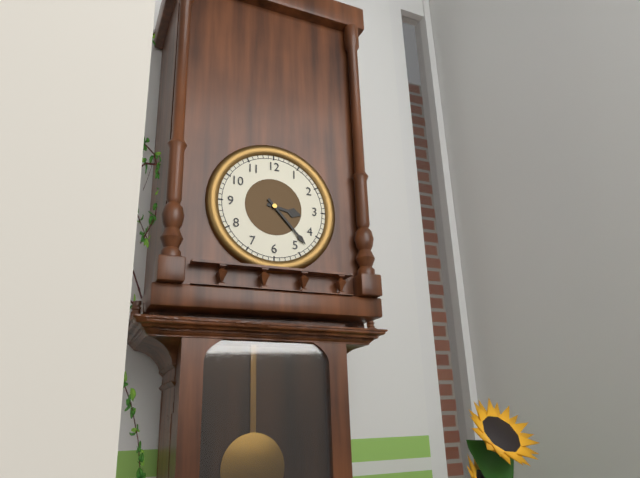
3:23
